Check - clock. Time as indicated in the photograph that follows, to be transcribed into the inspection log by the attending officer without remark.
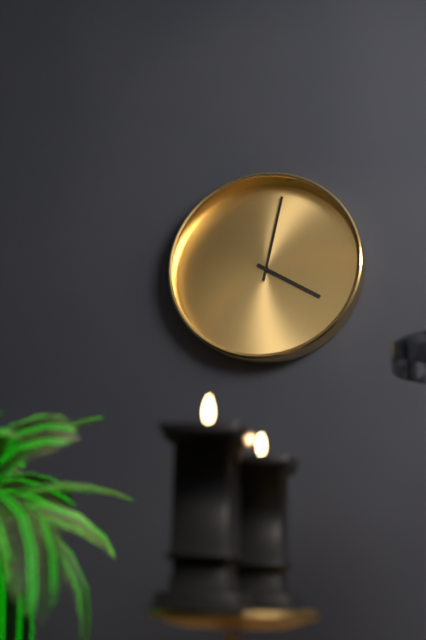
4:02
